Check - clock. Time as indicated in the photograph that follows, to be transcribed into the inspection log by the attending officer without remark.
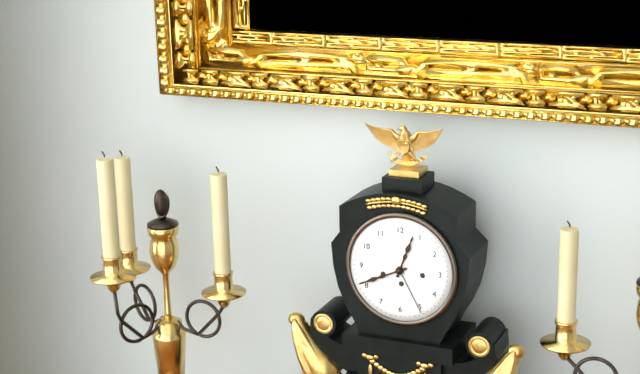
12:41
